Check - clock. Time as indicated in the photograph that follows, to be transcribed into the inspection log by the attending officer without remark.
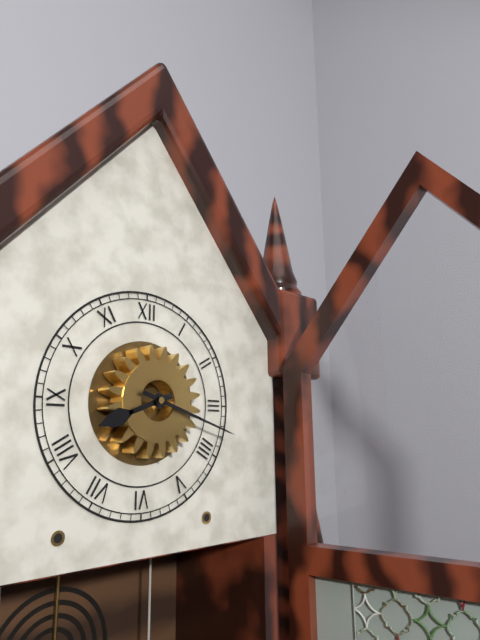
8:18
